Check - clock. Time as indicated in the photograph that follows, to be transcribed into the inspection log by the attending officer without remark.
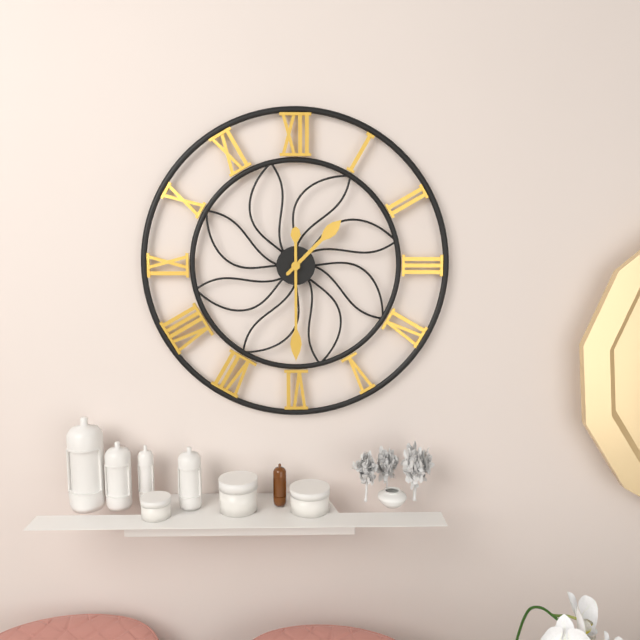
1:30
